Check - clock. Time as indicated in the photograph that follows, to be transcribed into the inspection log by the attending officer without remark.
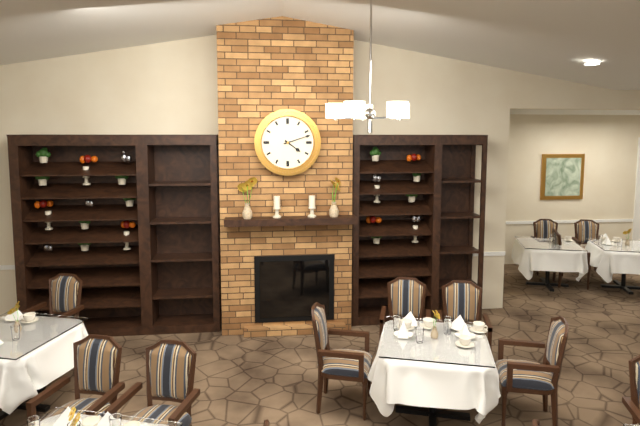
4:12
